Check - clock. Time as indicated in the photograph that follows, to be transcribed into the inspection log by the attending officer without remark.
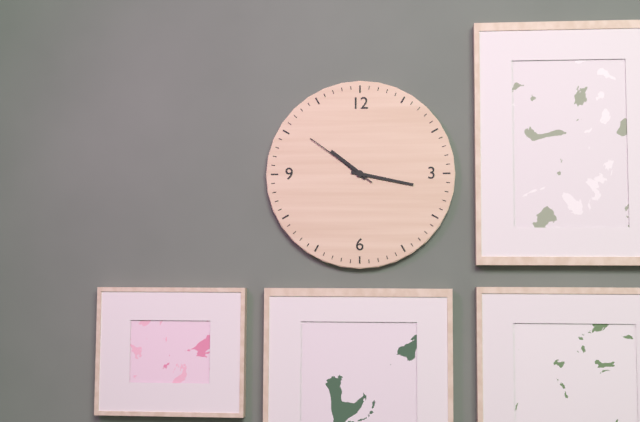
10:17:51
